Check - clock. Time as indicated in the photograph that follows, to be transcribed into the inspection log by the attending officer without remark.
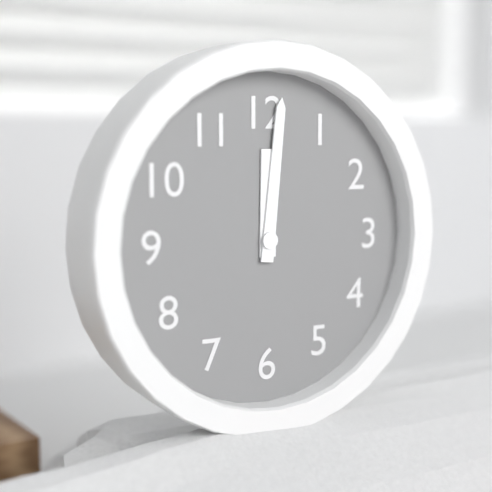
12:01
